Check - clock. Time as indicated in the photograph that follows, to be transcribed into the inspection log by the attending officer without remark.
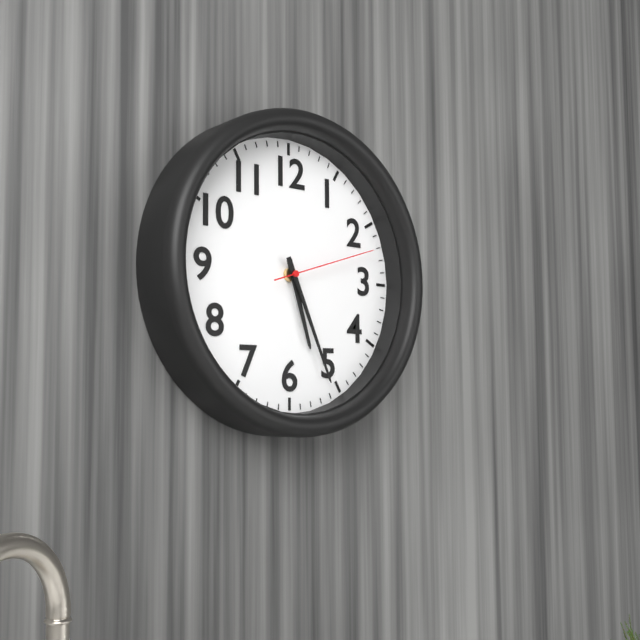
5:26:12
